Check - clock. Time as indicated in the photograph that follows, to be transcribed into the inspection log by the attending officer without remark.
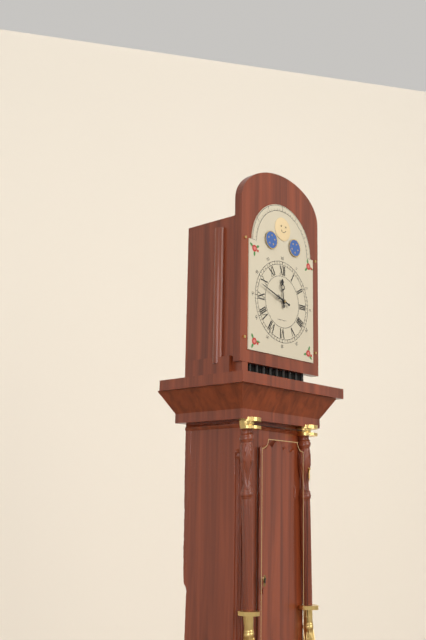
11:48
